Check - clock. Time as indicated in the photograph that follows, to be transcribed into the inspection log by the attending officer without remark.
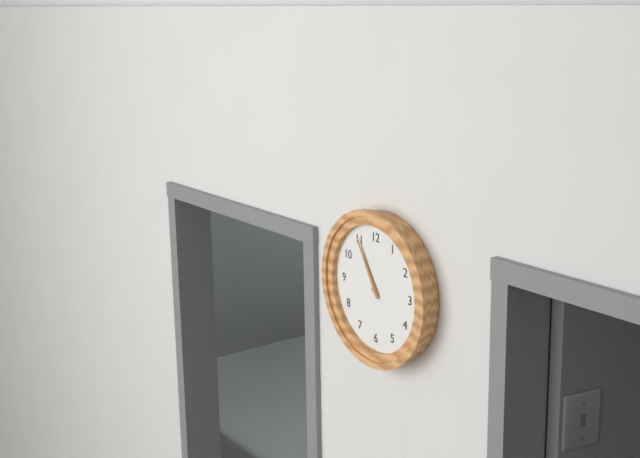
10:55
